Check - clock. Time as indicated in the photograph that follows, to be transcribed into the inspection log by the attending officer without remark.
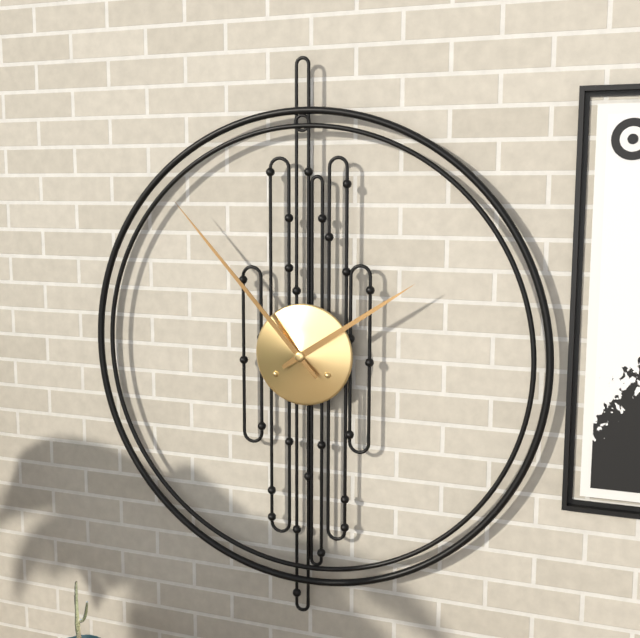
1:53
